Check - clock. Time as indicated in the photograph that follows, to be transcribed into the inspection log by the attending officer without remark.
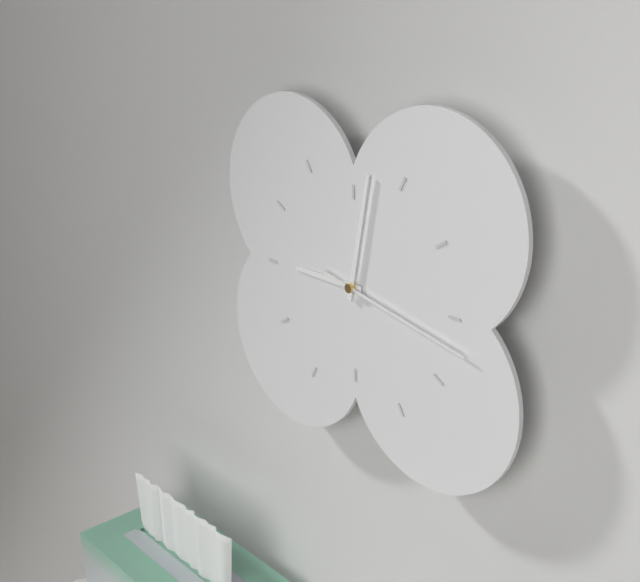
9:02:17
